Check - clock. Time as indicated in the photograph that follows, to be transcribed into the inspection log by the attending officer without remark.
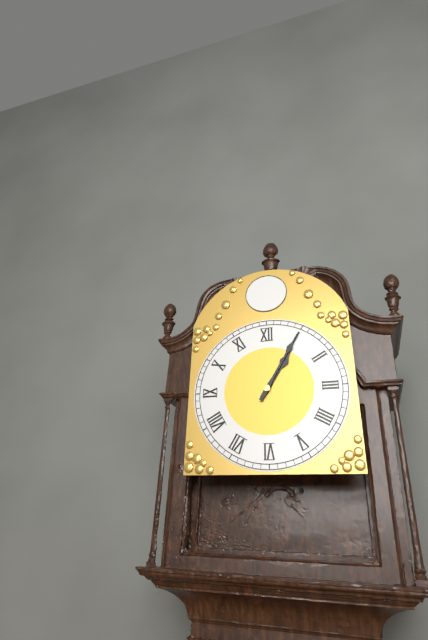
1:05
